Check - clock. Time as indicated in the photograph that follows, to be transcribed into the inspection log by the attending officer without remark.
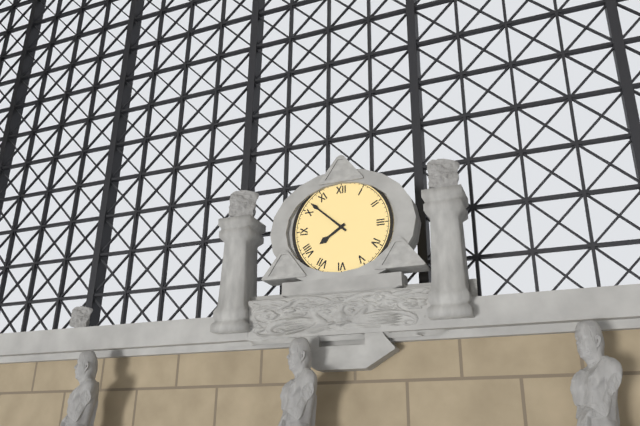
7:52
